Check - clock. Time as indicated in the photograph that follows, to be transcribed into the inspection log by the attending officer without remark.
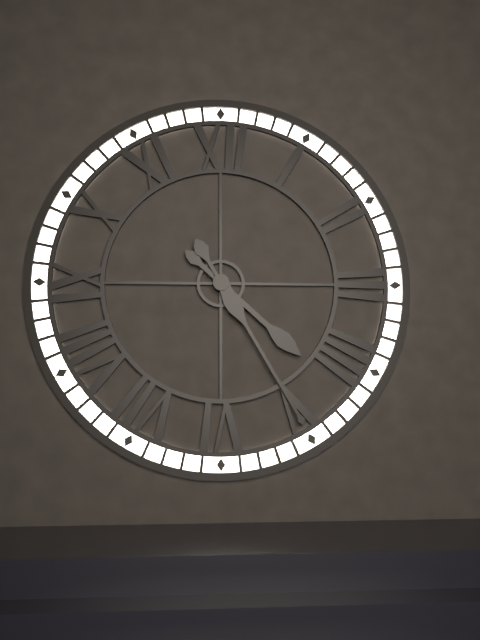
4:25
